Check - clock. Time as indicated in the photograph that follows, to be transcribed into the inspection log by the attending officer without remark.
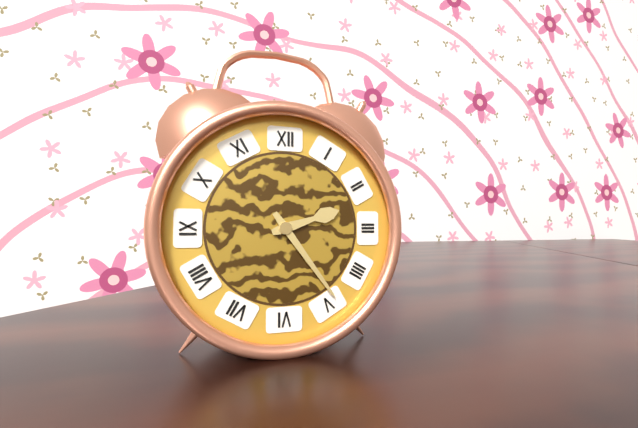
2:24
